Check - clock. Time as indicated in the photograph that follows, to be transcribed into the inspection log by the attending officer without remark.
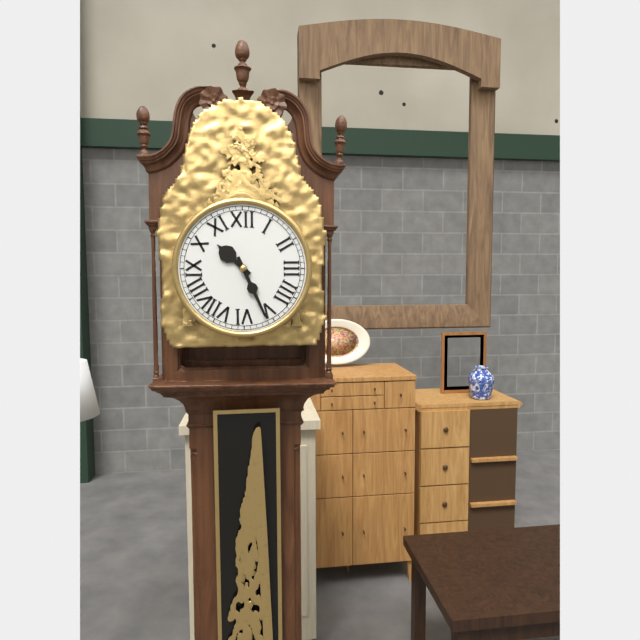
10:26
